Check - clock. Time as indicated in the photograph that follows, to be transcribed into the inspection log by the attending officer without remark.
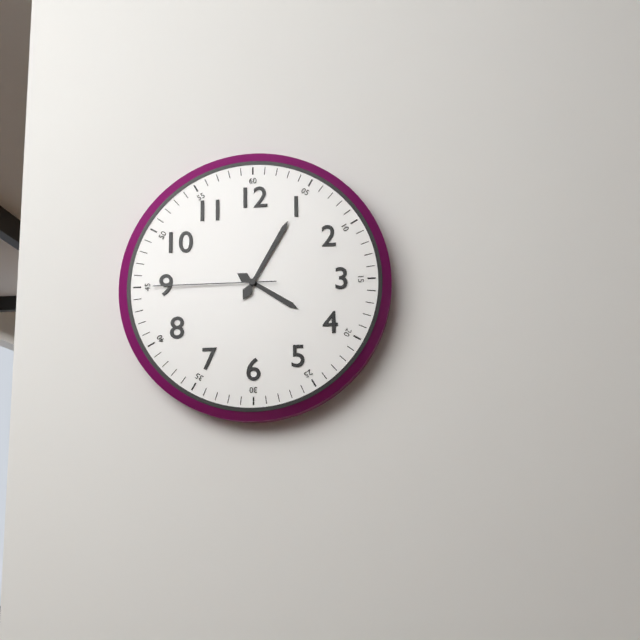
4:05:45
